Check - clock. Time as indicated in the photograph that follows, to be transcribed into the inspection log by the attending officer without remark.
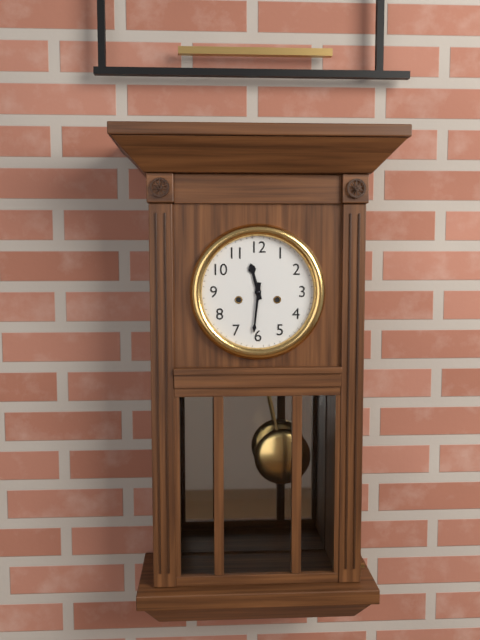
11:31
